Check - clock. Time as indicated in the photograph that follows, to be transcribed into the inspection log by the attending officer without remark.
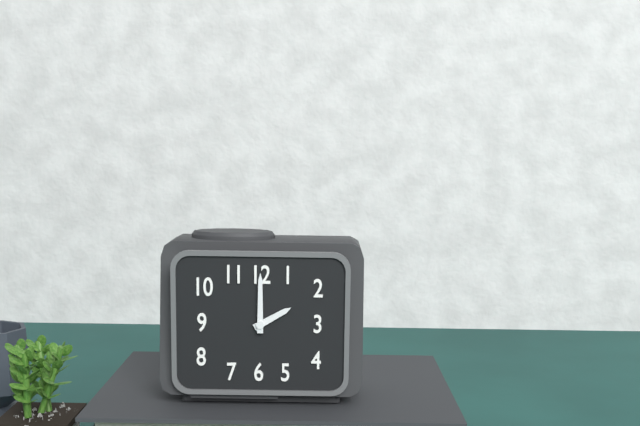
2:00
